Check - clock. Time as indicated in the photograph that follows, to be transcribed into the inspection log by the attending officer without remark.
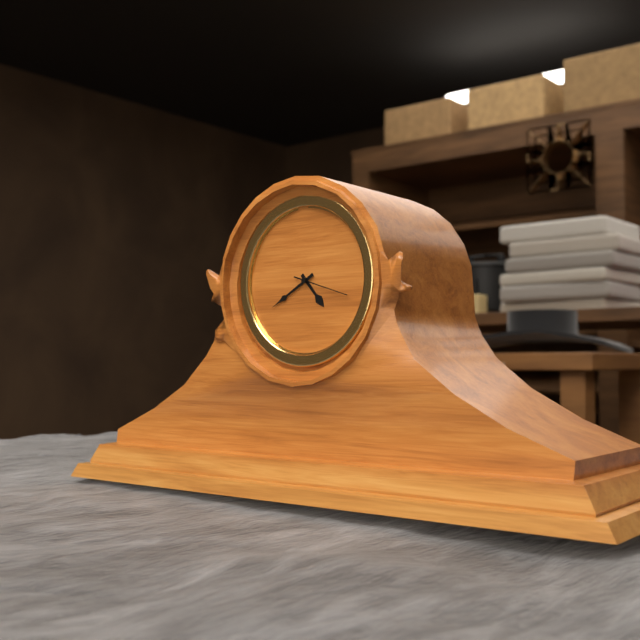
4:40:18
